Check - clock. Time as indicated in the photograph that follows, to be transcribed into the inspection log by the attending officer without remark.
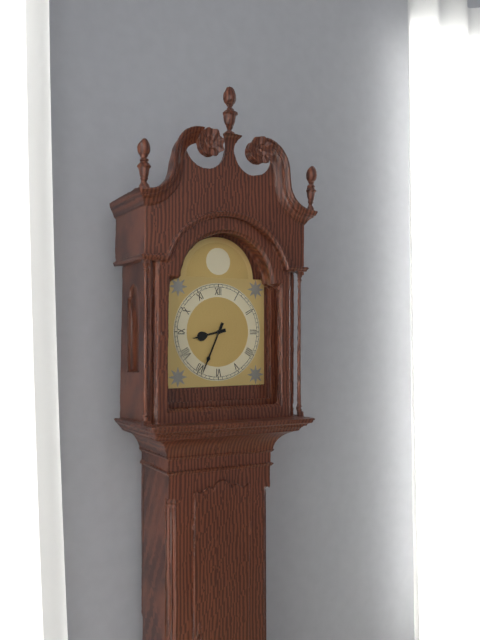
8:34
